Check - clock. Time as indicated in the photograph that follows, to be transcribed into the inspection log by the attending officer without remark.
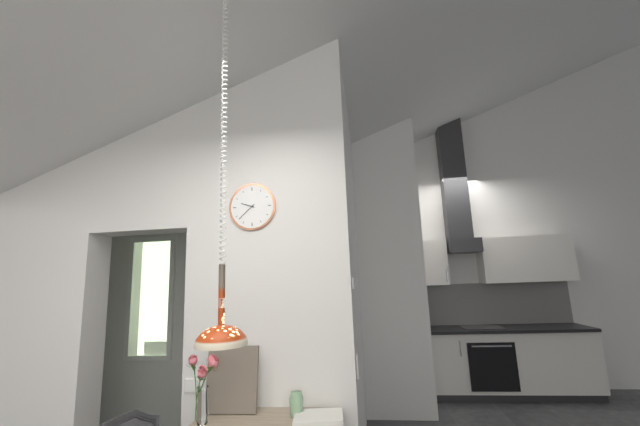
9:38
